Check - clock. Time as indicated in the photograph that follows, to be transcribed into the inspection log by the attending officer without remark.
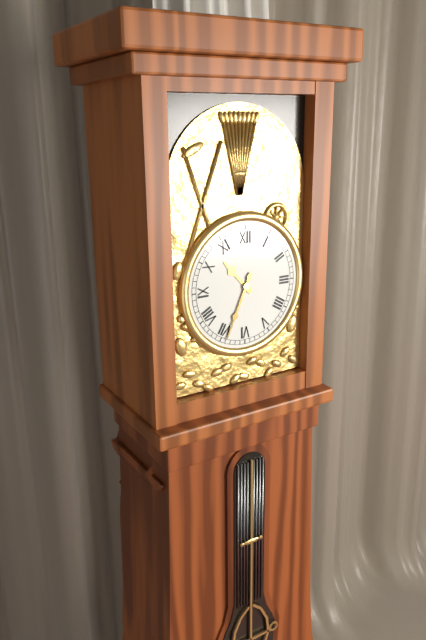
10:34
